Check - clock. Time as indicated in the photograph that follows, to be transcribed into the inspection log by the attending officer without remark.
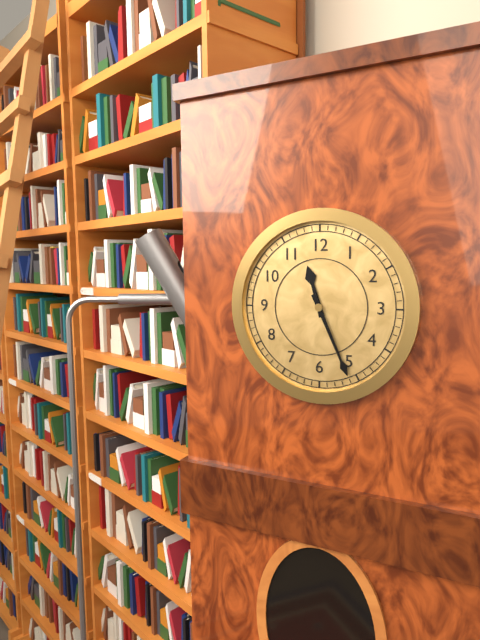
11:26
